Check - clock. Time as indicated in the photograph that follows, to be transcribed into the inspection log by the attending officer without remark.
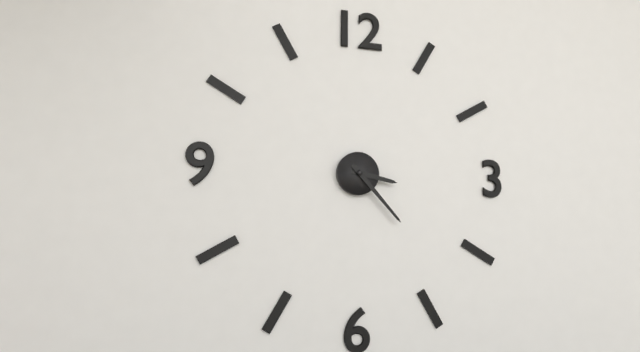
3:23
